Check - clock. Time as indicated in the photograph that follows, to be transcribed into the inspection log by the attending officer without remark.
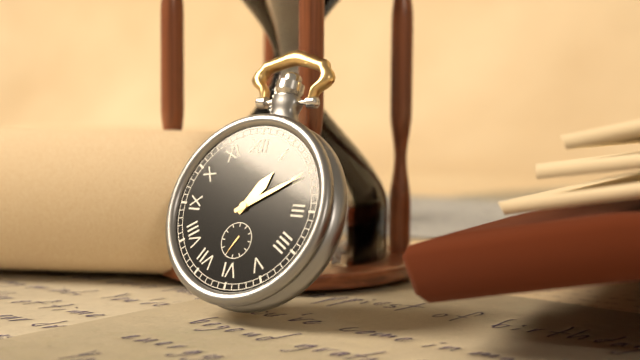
1:10
